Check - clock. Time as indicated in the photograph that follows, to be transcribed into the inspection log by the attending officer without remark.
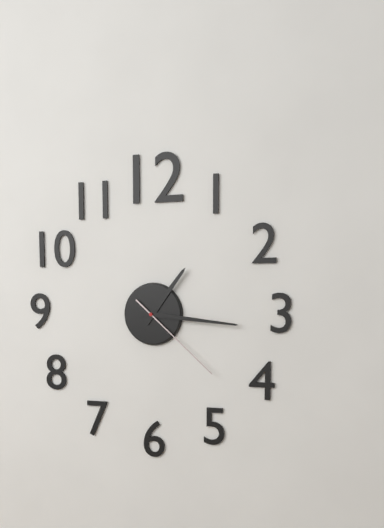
1:16:22
